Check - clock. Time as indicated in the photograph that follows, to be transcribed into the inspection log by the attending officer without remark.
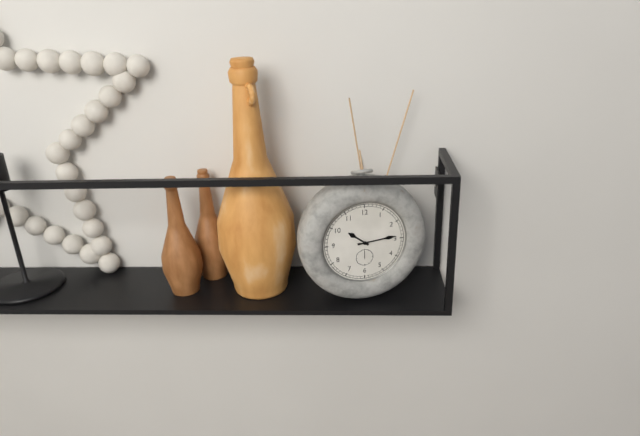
10:14
